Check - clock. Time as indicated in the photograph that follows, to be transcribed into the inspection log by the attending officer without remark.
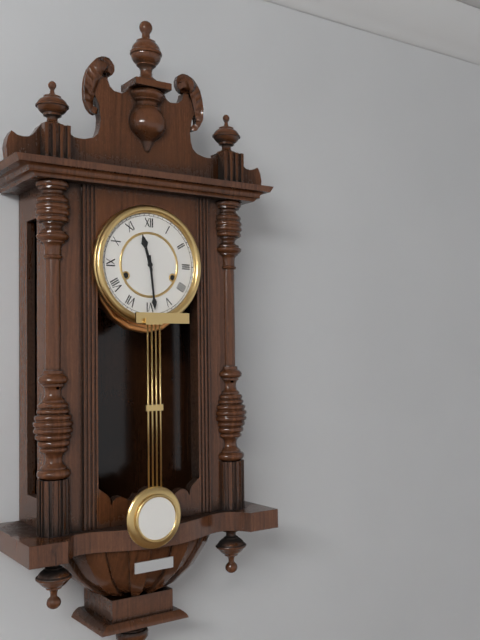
11:29
